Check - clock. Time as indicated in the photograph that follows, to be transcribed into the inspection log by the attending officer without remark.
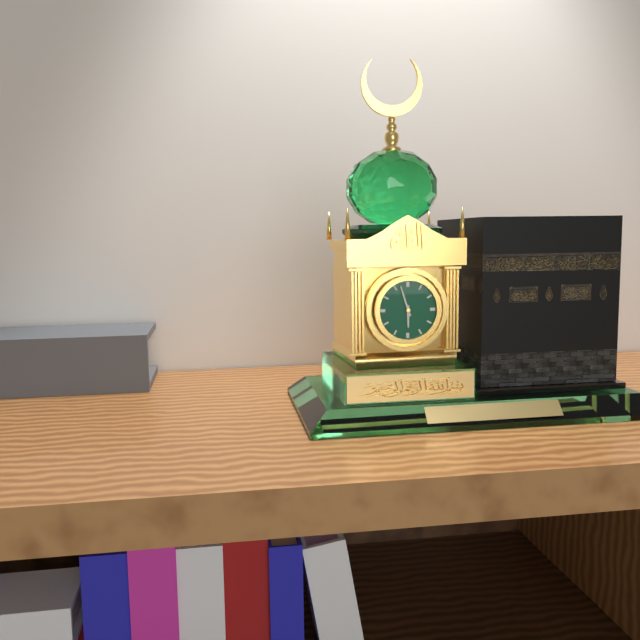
5:57
